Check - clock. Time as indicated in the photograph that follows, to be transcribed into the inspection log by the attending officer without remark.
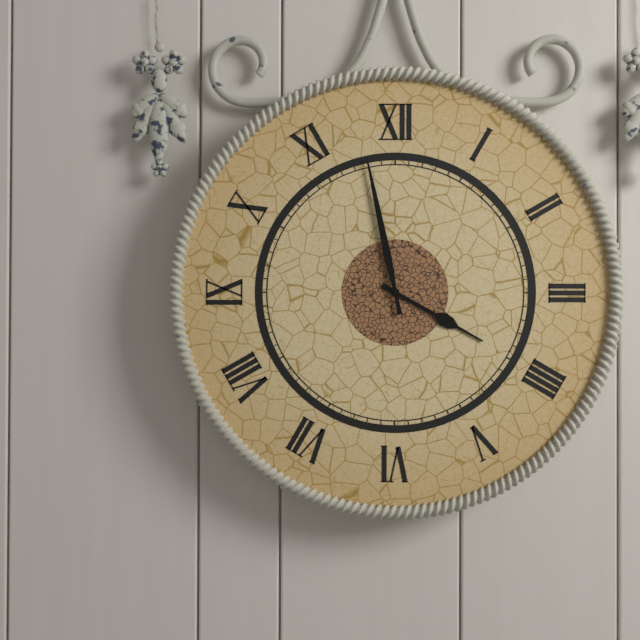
3:58
